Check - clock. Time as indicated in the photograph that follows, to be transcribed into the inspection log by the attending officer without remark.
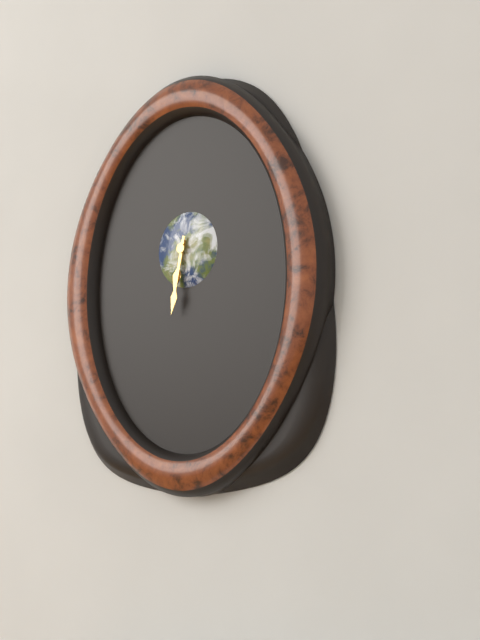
6:32
